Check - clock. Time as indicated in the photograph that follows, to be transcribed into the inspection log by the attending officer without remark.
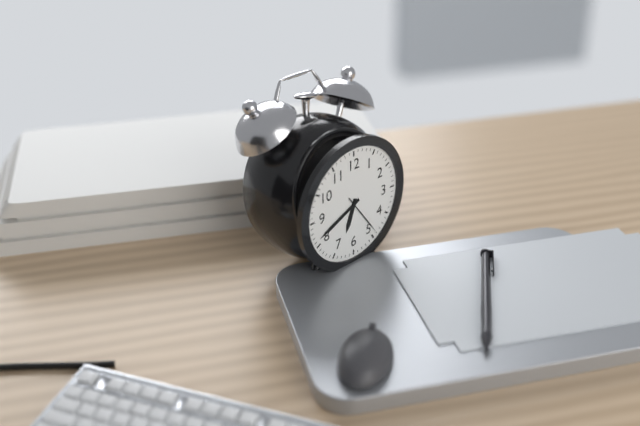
6:41
